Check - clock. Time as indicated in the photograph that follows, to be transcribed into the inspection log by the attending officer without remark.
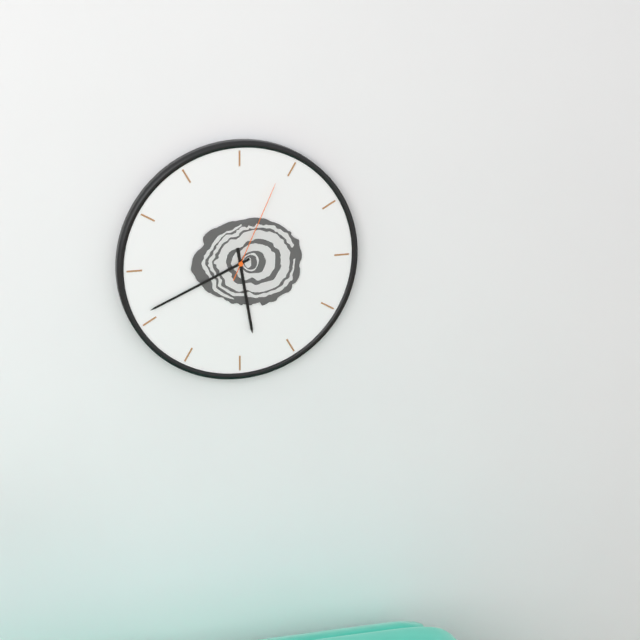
5:41:04
